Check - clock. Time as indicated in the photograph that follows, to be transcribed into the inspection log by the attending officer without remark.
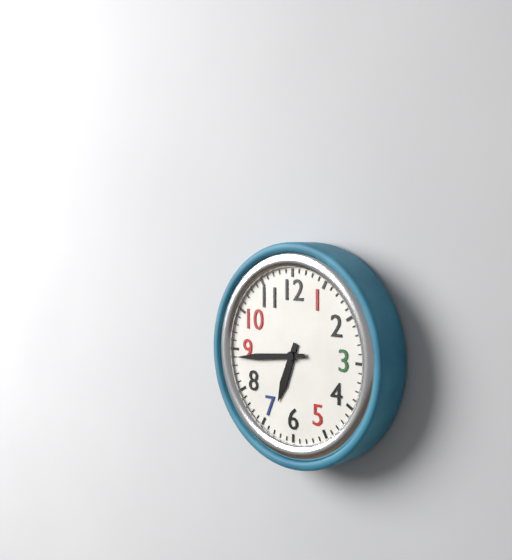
6:44
